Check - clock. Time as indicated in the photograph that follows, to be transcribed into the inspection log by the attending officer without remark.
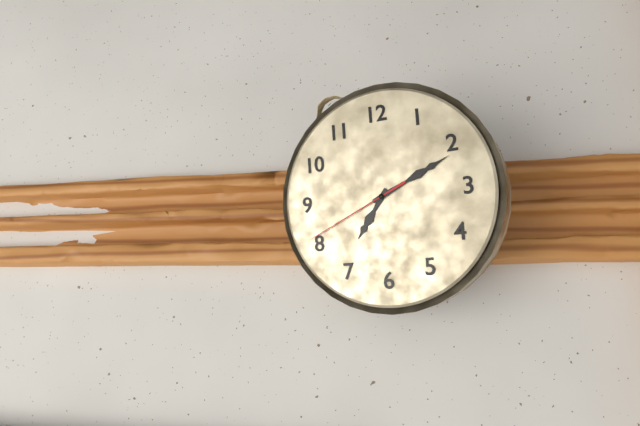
7:11:41
